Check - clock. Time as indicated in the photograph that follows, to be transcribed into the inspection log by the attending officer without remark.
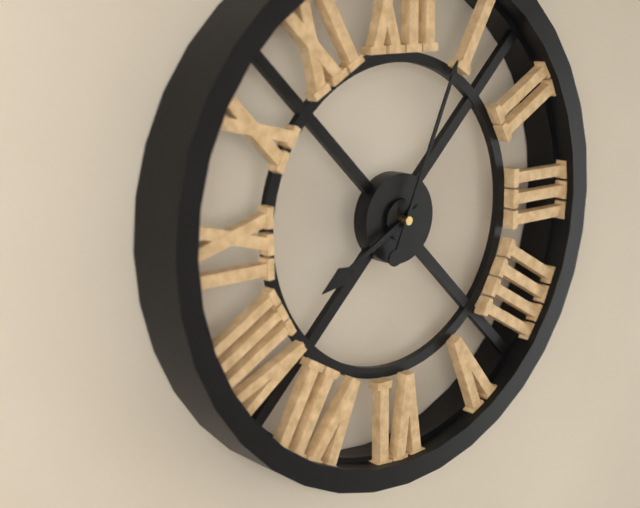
8:04
